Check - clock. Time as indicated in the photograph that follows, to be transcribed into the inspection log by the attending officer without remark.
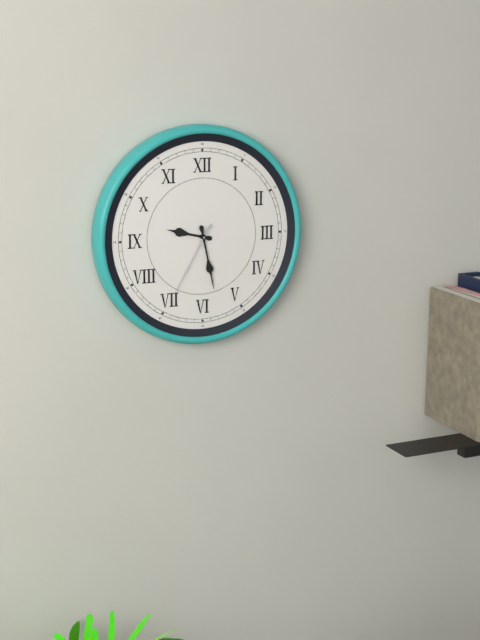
9:28:35
